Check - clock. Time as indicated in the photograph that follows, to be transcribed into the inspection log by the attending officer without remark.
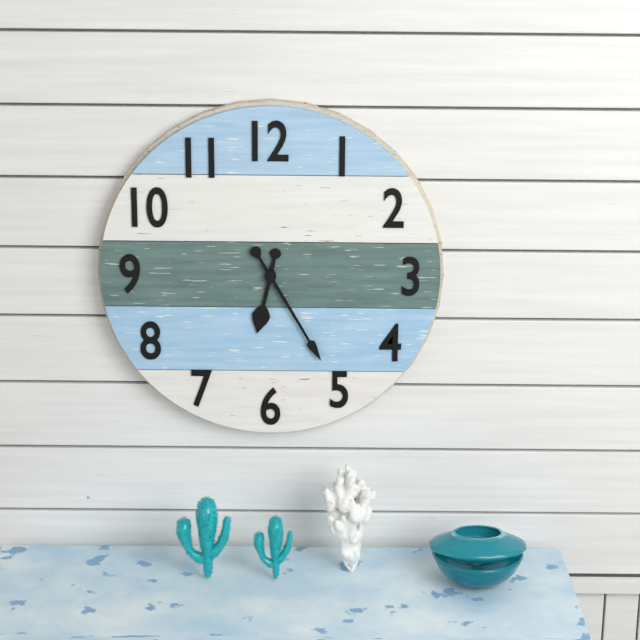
6:25
